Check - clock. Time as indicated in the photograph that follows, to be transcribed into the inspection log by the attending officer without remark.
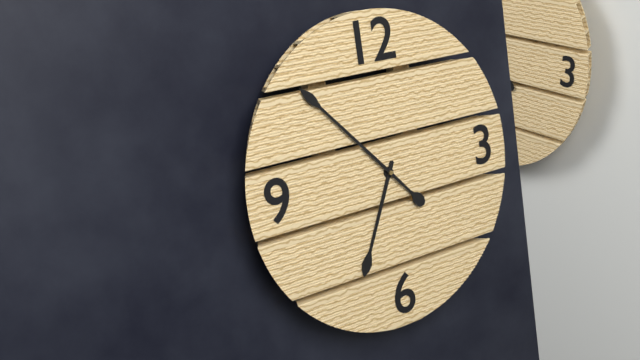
6:53
